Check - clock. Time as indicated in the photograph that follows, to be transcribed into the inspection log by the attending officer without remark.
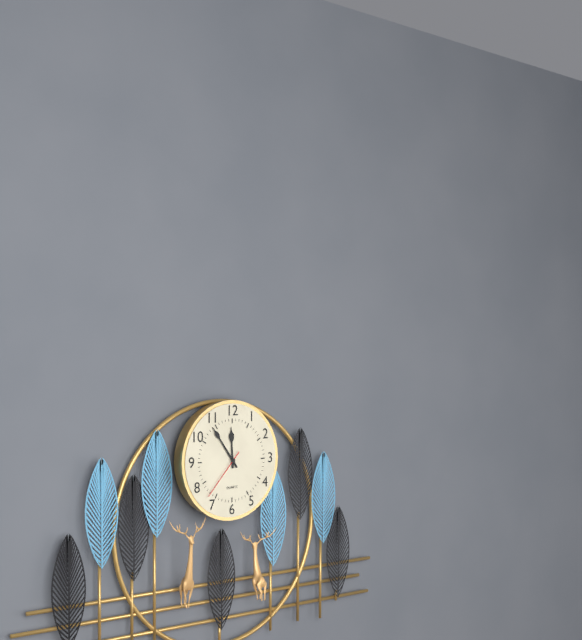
11:54:37
